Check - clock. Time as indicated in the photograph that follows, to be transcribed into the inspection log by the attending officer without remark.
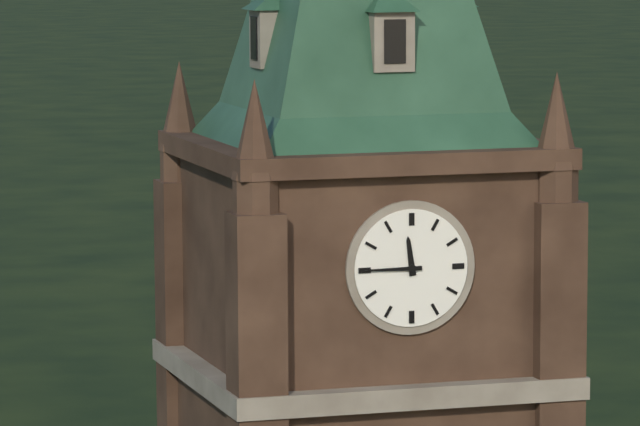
11:45
